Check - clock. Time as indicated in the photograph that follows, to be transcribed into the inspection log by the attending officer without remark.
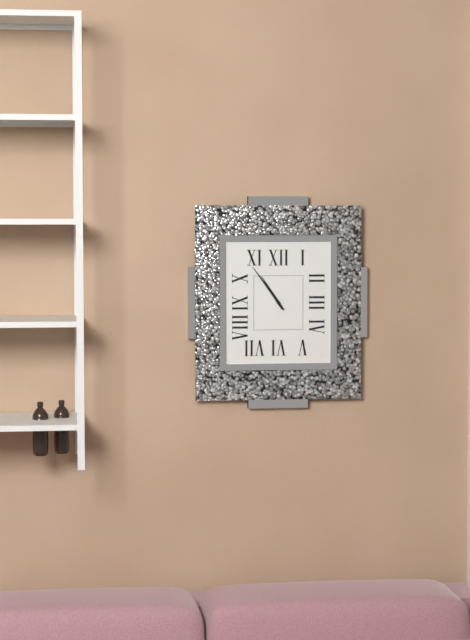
10:54
